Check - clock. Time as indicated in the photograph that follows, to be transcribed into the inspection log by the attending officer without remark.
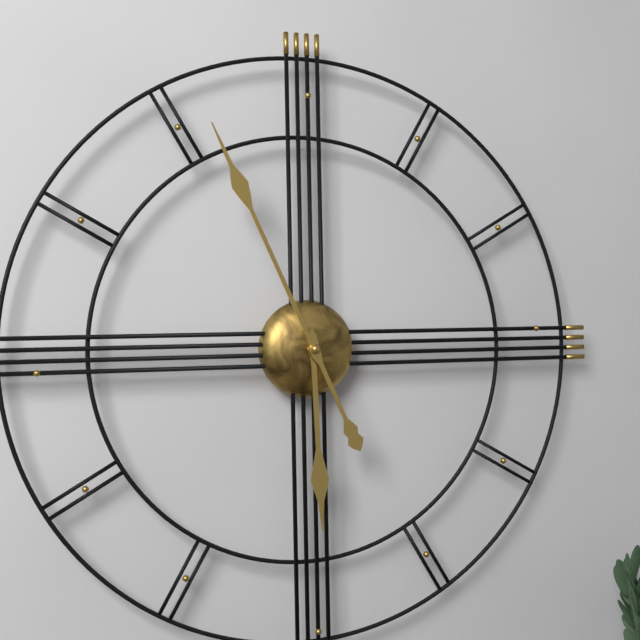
5:56
